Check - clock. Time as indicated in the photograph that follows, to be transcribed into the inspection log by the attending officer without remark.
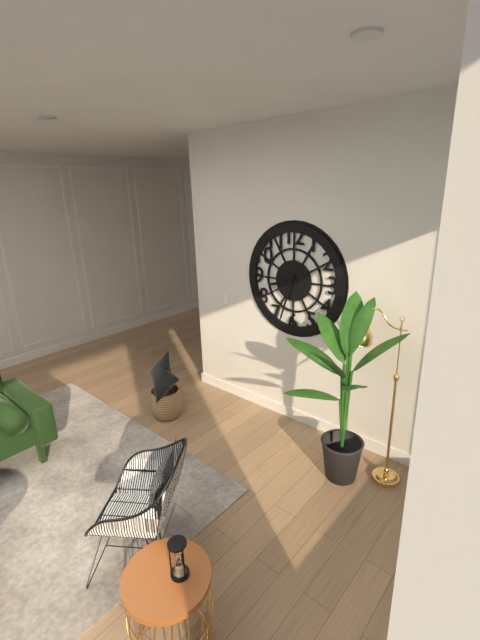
8:33
